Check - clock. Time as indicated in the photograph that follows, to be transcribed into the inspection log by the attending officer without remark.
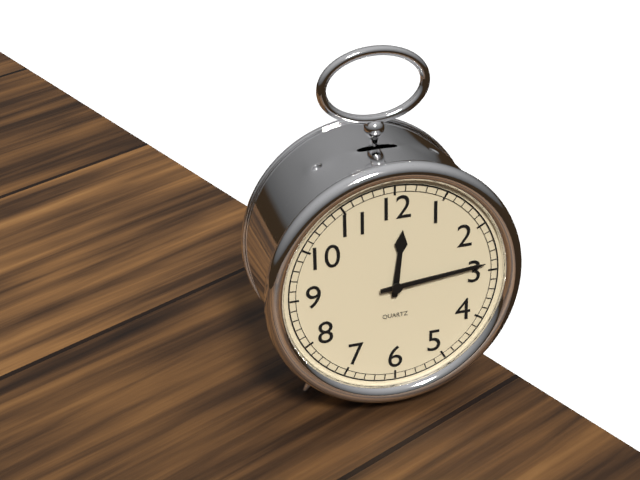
12:14
